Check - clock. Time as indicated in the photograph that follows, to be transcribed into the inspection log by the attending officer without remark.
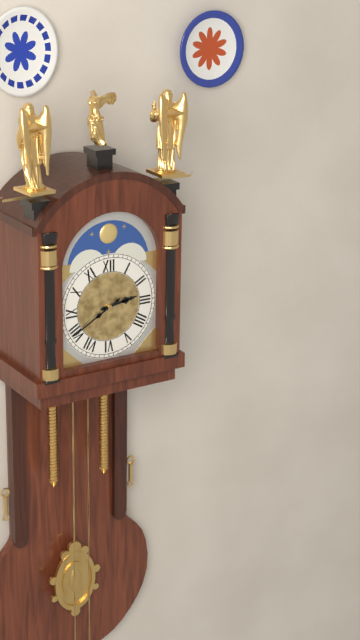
2:40
